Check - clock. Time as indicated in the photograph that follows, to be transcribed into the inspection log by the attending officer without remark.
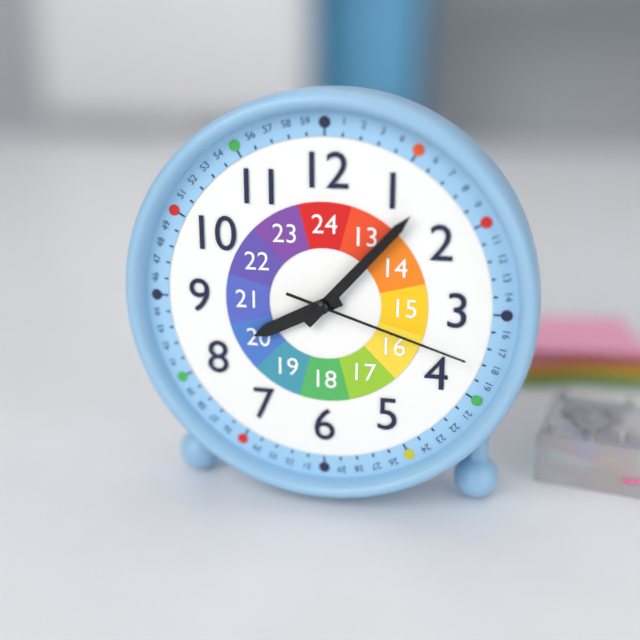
8:07:18
